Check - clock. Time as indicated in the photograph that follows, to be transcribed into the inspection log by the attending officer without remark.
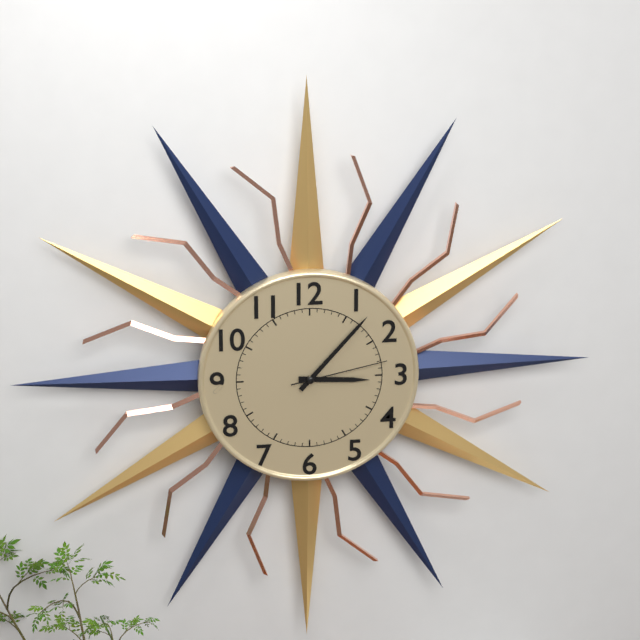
3:07:13
